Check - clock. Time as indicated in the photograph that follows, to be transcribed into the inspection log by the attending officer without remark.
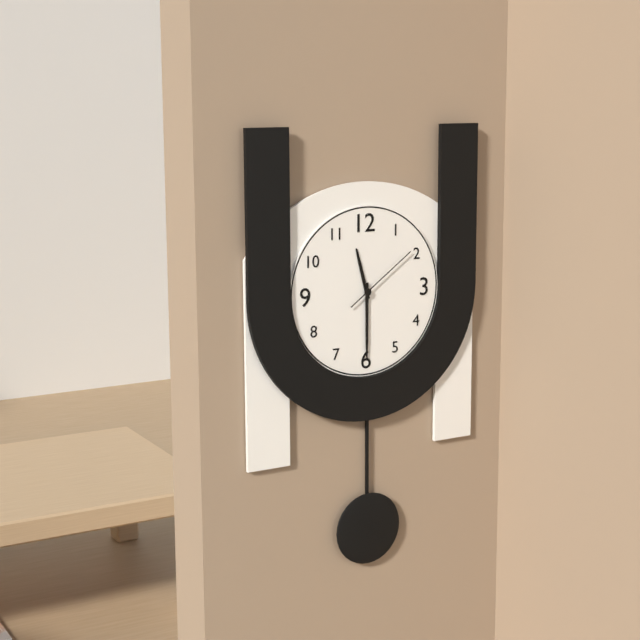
11:30:09
